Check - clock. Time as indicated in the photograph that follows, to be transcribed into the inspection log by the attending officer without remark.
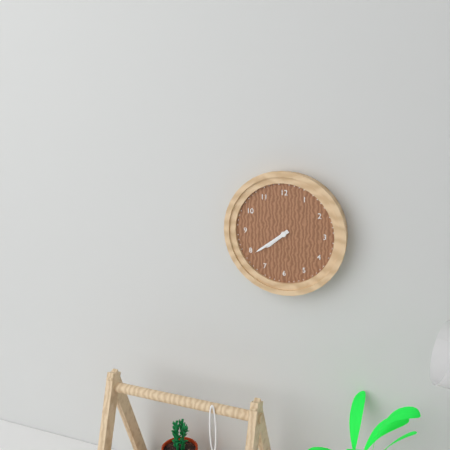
7:39
